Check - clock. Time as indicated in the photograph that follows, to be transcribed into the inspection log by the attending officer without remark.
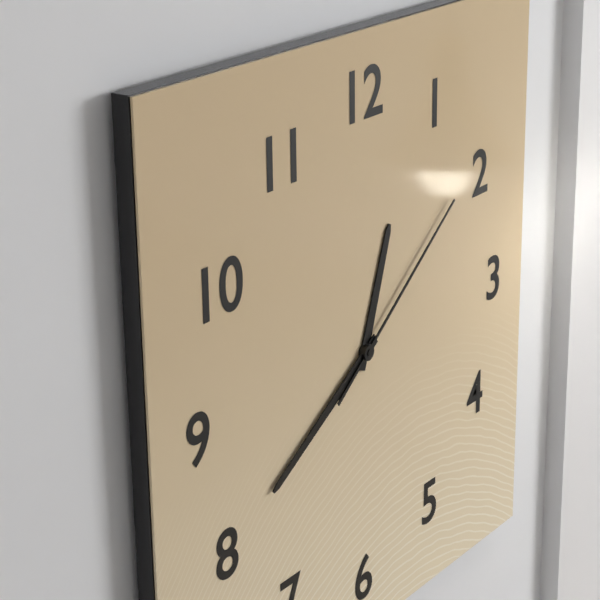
12:40:09
